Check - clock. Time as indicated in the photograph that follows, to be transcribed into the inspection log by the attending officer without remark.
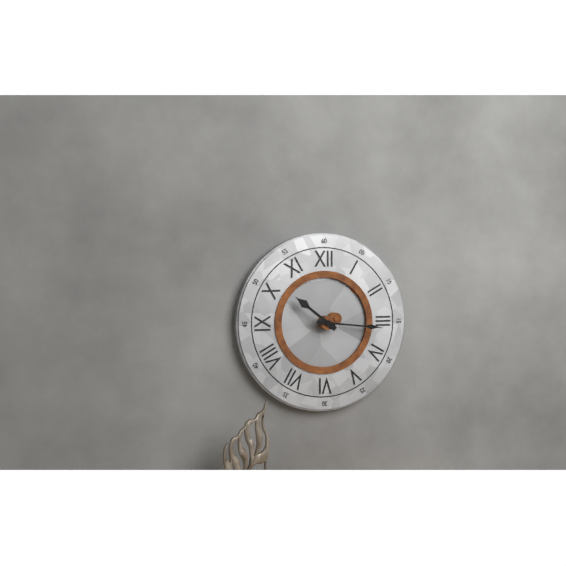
10:16
